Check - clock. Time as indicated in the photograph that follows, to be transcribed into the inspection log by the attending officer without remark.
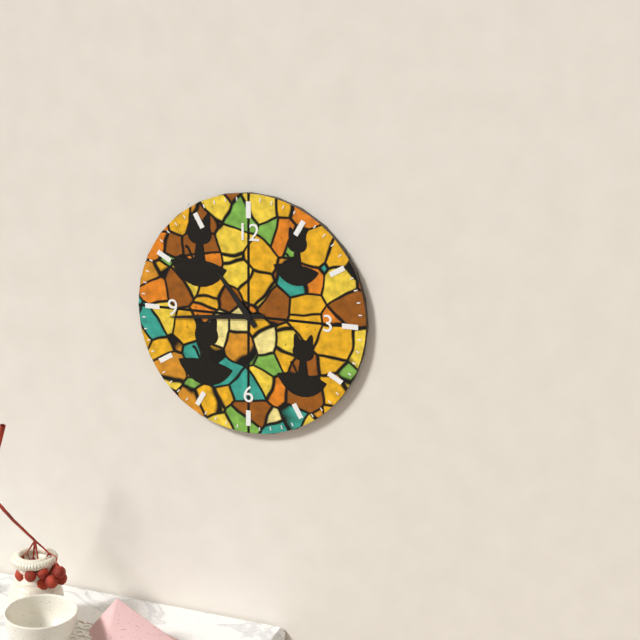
10:44
